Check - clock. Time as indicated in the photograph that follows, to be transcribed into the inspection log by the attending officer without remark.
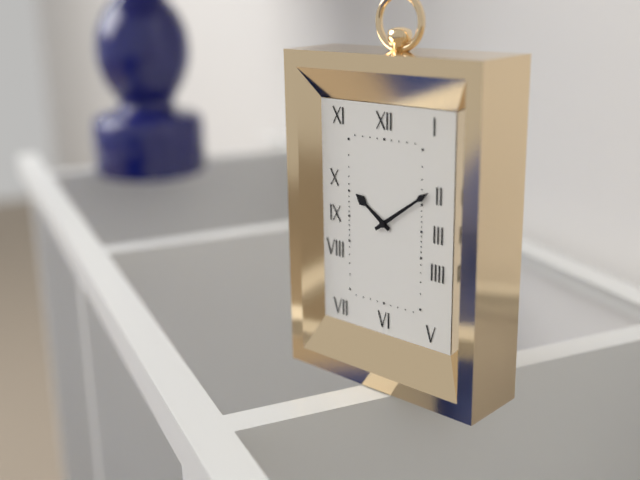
10:09
